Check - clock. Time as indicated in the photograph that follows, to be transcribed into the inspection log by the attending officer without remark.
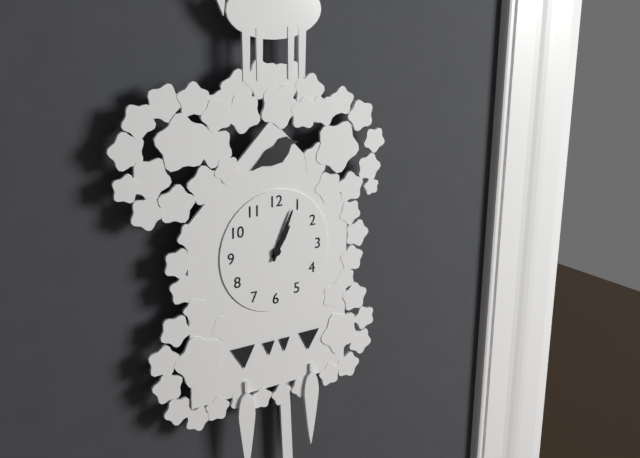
1:04
